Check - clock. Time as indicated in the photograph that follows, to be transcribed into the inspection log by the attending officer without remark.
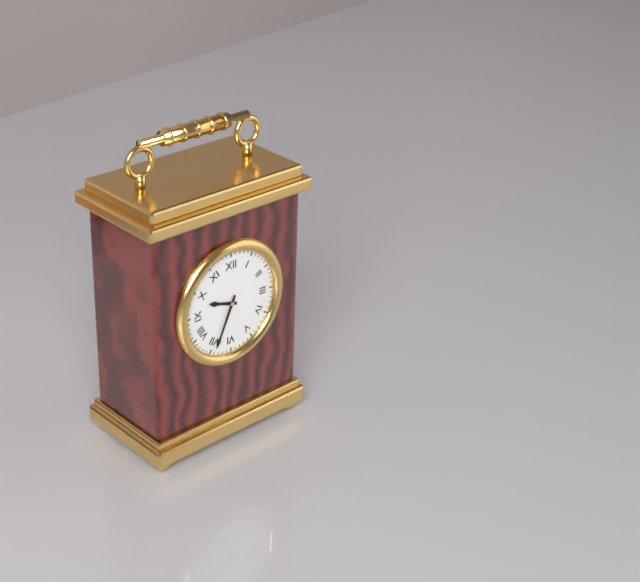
9:34
